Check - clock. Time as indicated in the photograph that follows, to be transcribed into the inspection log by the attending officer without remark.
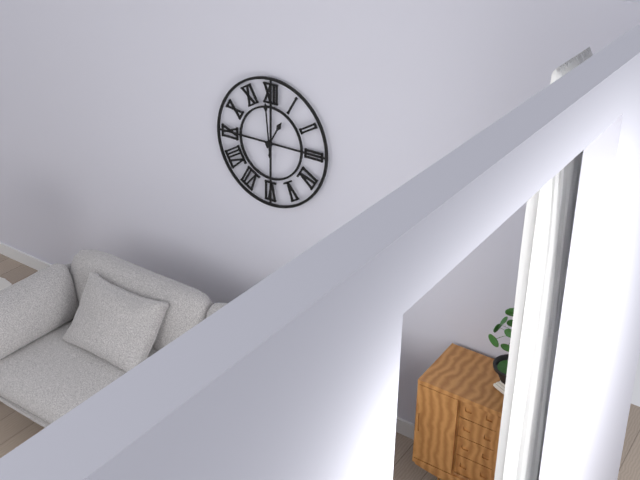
12:59
